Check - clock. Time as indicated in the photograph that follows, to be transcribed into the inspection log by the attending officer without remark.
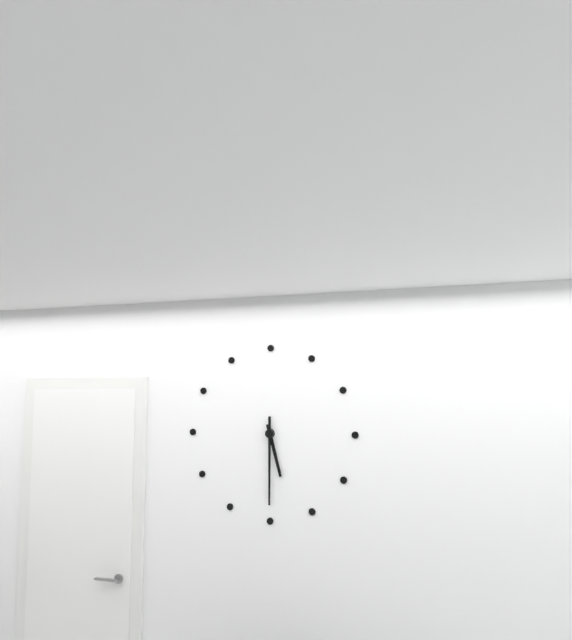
5:30
